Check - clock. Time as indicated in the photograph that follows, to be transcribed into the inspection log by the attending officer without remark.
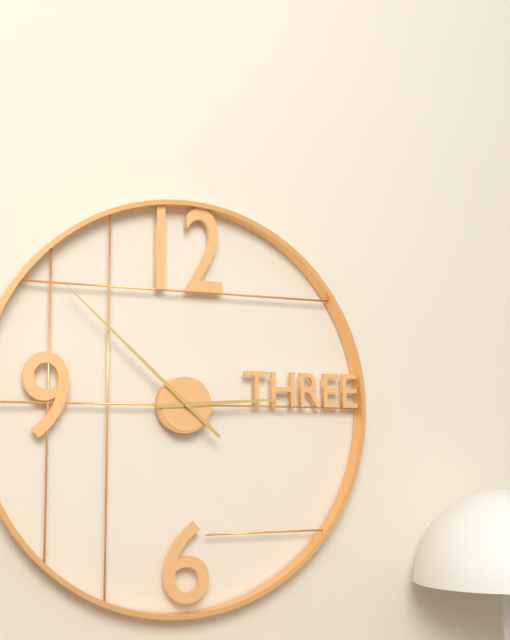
2:52
